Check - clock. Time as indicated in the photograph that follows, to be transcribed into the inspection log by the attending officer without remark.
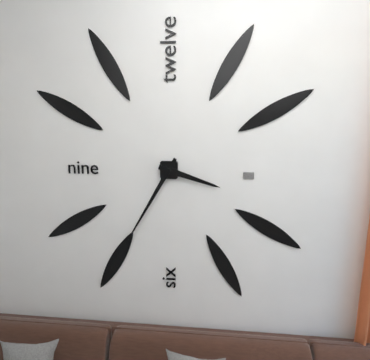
3:35
